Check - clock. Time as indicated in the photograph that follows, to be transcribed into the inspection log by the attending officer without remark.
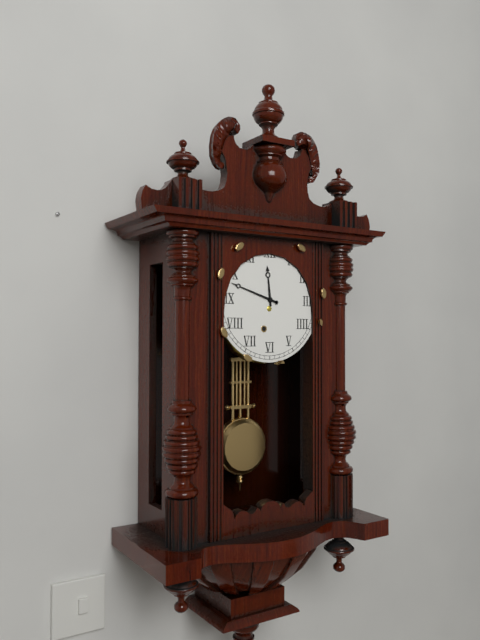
11:48
